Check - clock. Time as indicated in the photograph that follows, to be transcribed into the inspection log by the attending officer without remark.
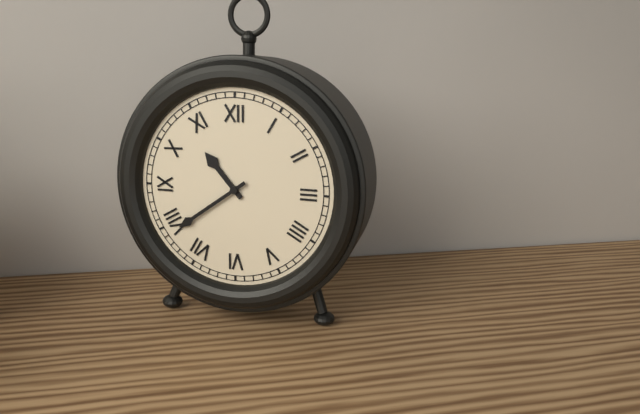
10:39
